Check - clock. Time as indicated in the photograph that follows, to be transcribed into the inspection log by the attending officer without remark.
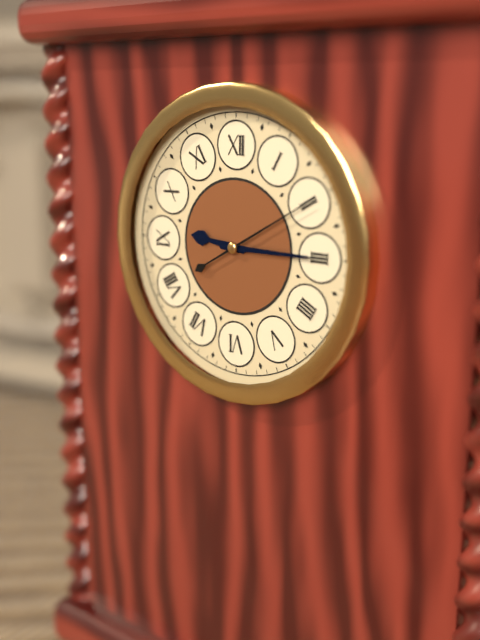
9:15:10
